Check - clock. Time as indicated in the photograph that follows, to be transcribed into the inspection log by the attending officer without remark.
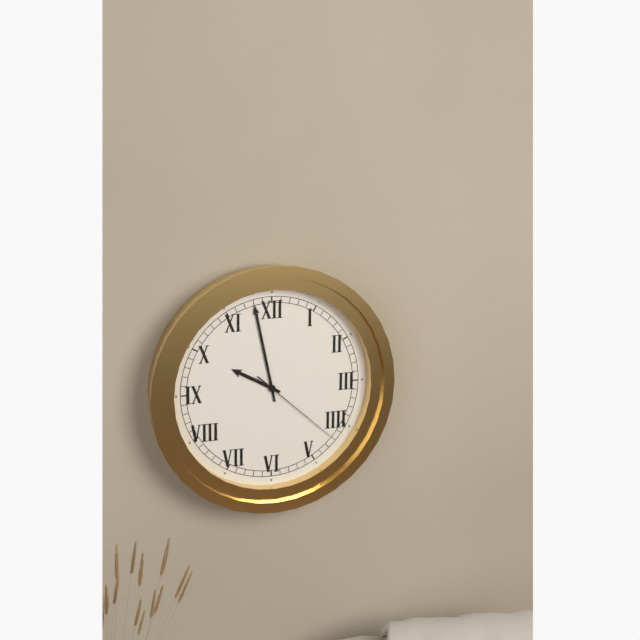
9:58:22
